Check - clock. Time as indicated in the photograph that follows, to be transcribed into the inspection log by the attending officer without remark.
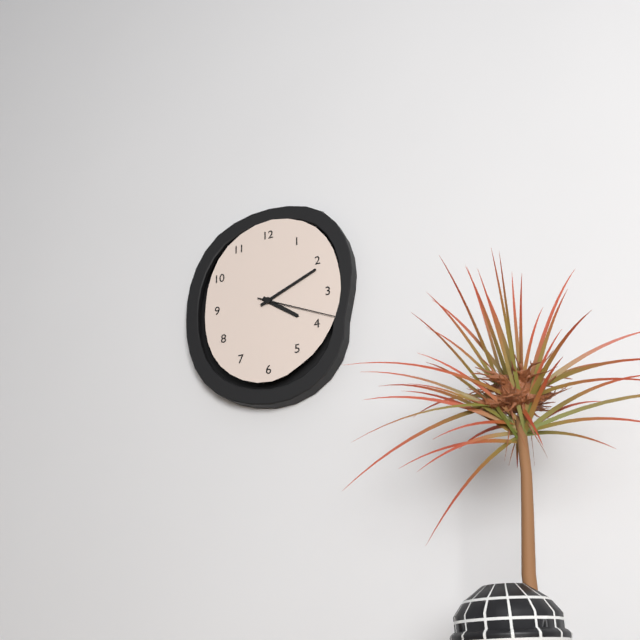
4:11:19
